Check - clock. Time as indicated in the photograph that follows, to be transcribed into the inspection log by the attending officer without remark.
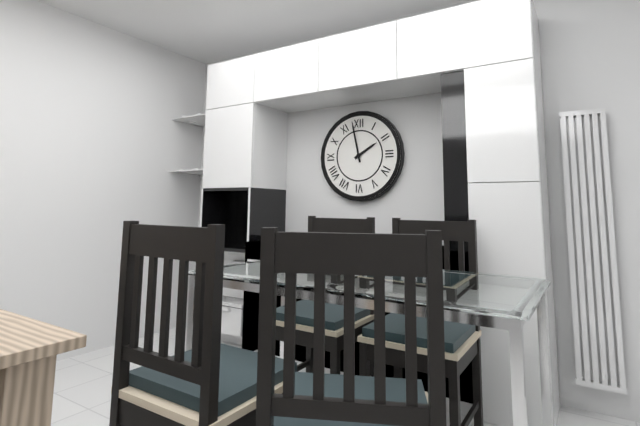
1:58
